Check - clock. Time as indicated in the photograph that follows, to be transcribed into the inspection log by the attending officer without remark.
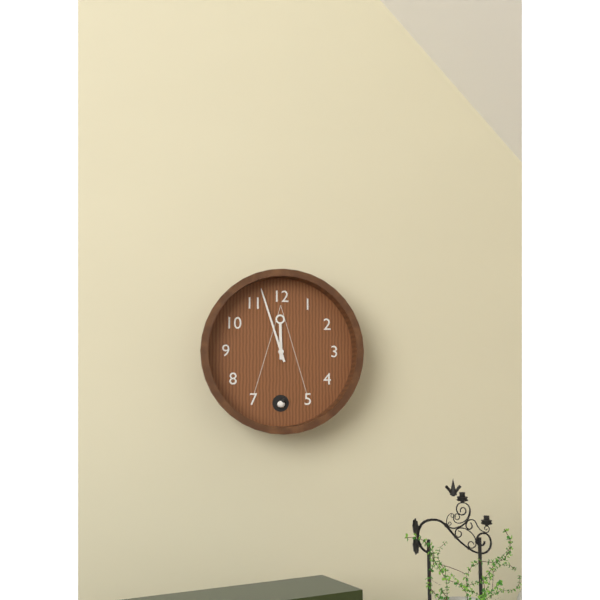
11:57
